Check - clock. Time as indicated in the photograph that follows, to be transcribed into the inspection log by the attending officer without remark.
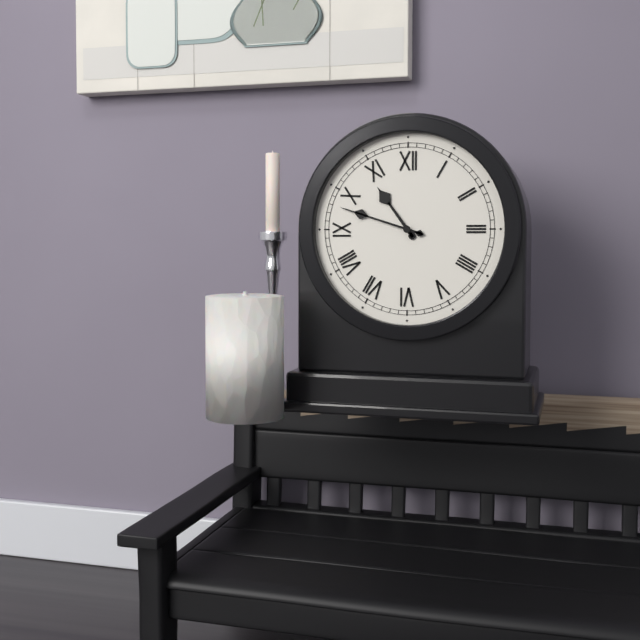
10:48
